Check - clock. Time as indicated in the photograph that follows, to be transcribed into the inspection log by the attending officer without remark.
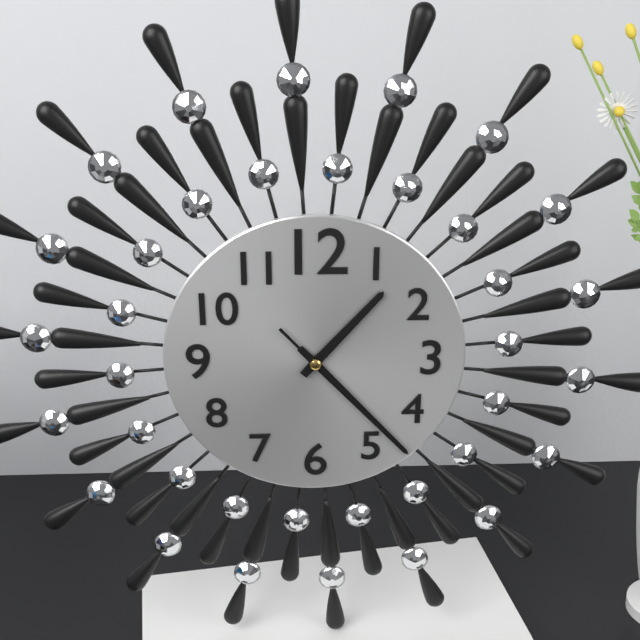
1:23:23
